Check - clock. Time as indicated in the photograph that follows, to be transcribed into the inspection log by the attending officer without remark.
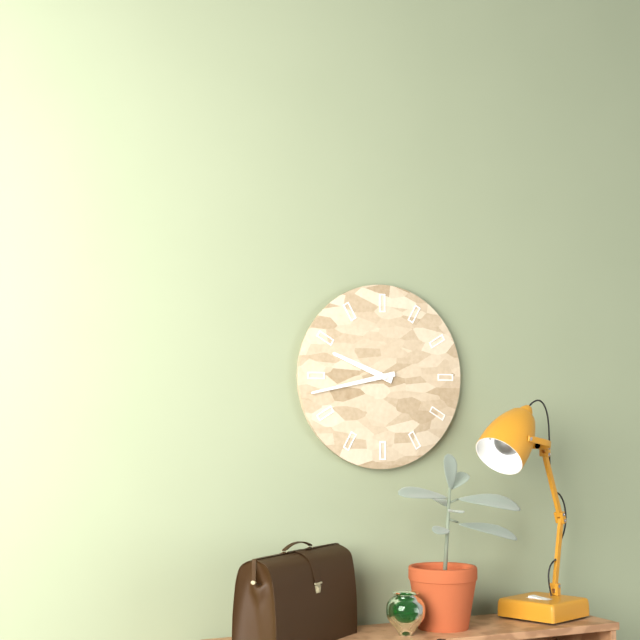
9:43
